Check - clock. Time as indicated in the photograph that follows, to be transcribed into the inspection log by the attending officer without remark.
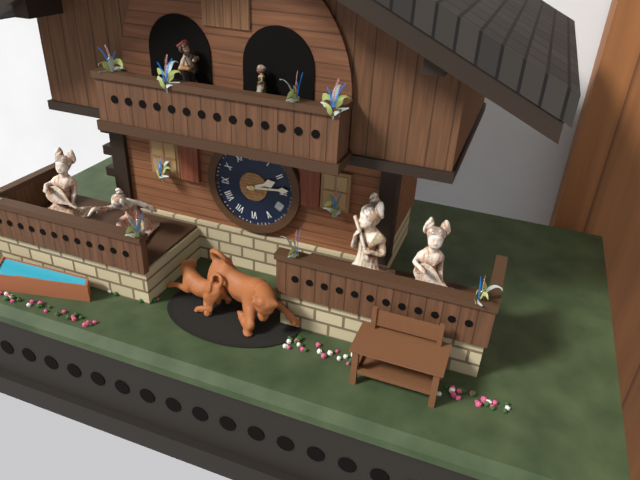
2:14
